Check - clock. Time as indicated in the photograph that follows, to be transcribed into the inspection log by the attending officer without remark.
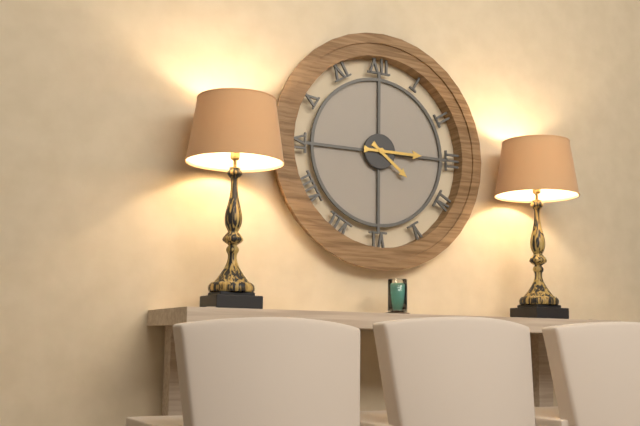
4:15
